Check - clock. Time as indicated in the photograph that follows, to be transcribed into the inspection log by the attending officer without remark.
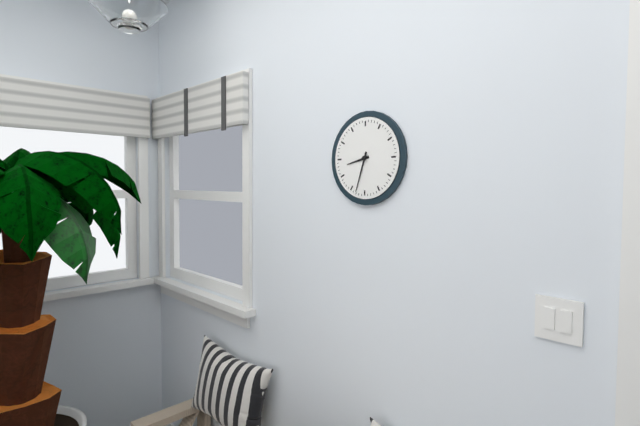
8:33
